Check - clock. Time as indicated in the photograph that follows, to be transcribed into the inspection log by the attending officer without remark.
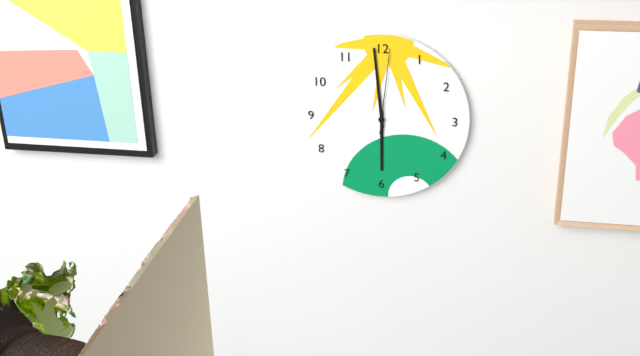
5:59:01
